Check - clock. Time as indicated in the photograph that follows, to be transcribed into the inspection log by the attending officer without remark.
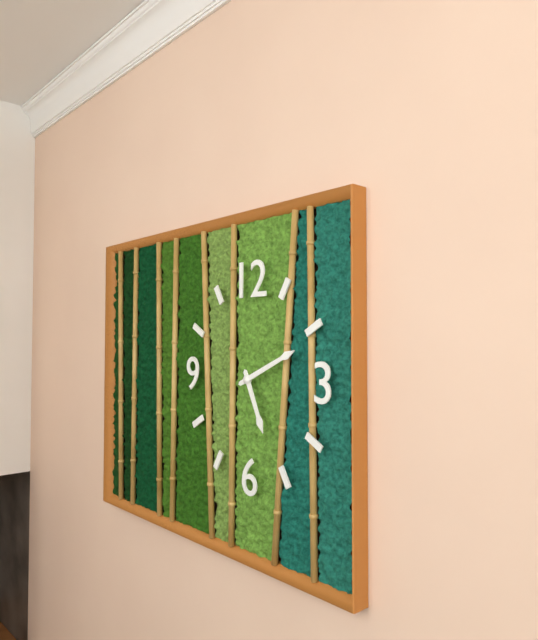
5:11
